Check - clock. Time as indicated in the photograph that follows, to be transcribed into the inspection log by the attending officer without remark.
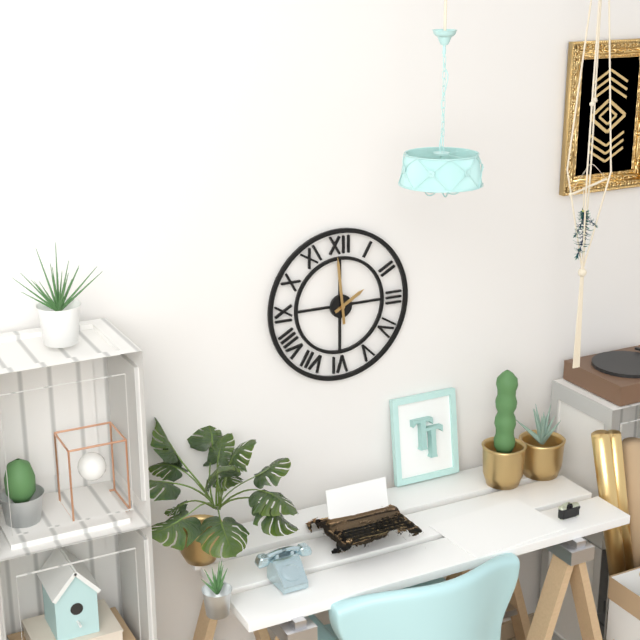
1:59
